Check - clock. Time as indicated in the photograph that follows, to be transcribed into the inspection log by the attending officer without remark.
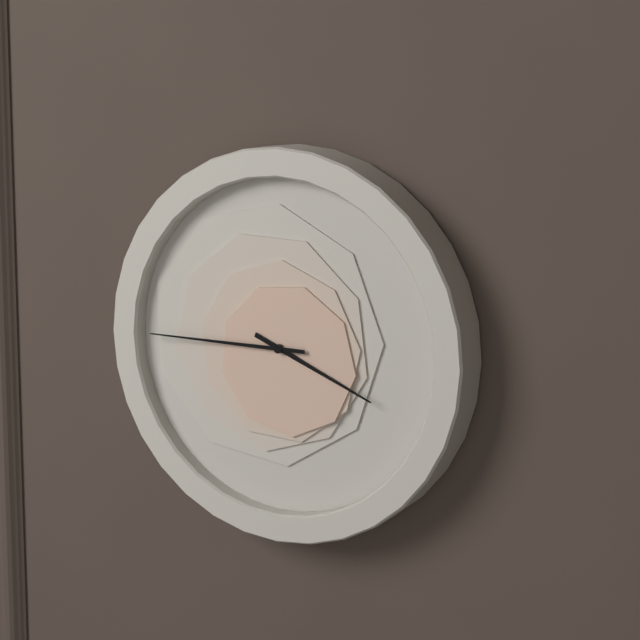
3:45
